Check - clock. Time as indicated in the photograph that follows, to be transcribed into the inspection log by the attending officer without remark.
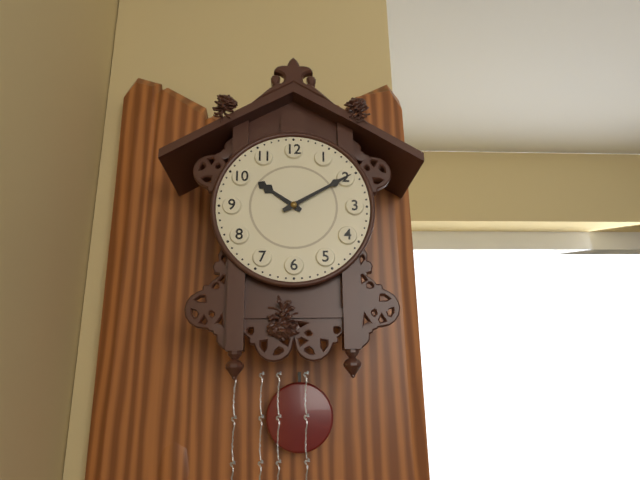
10:10
